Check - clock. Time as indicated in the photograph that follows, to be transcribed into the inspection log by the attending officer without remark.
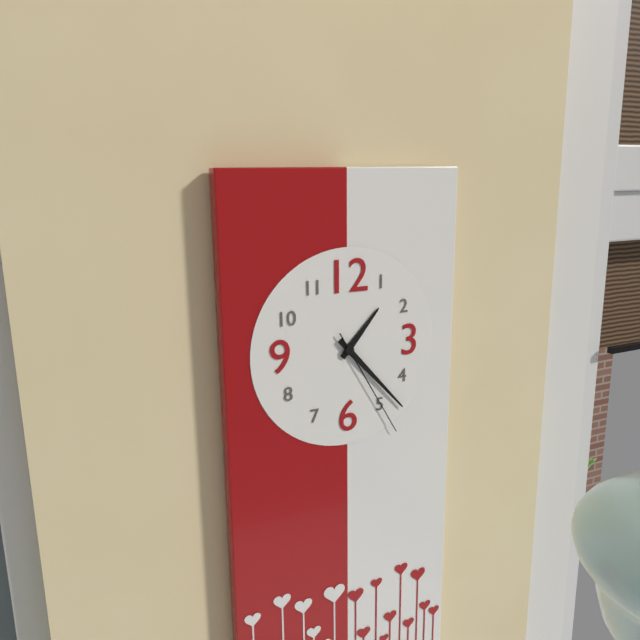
1:23:25
